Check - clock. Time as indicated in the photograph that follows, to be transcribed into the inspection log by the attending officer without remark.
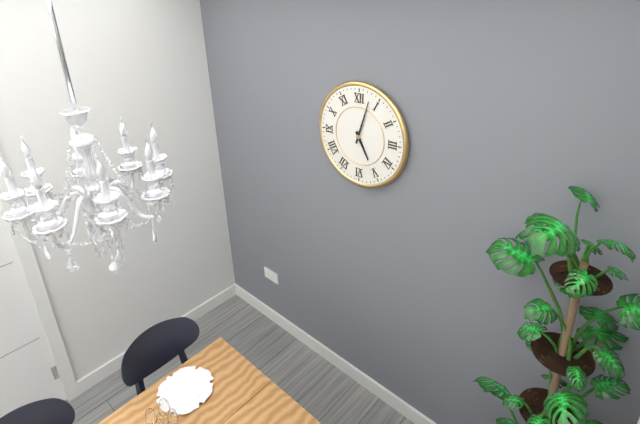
5:03
